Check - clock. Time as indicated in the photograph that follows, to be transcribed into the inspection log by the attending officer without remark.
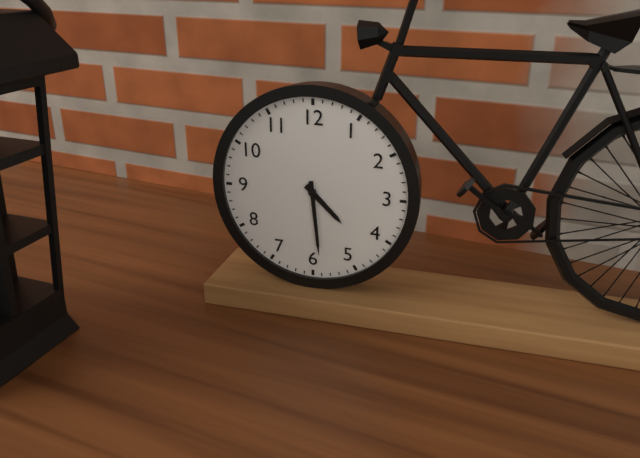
4:29
